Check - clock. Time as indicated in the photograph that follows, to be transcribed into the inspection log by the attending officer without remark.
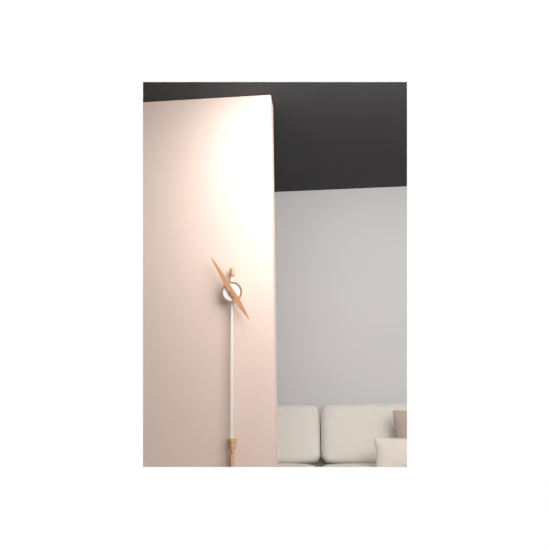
4:55
